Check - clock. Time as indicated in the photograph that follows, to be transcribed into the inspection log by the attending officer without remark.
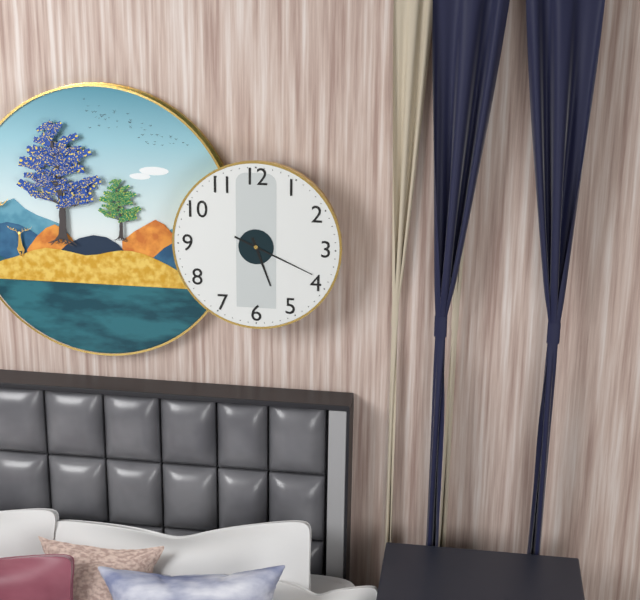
5:19
